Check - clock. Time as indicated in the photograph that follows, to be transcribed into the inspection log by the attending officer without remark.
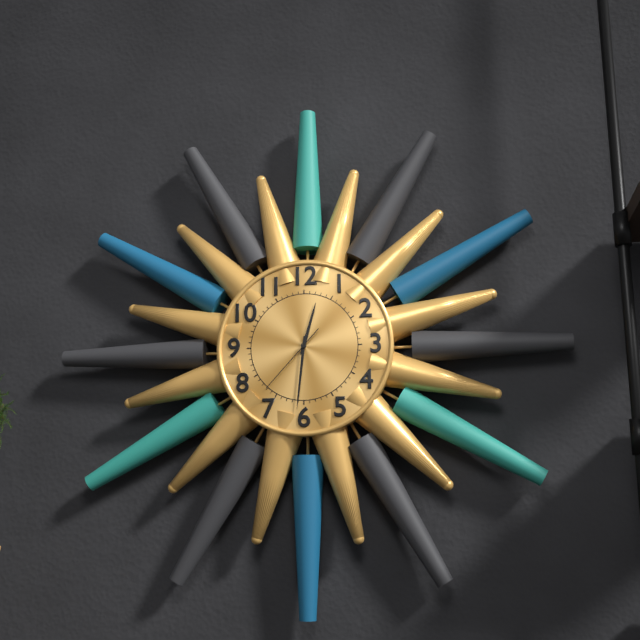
12:31:37
